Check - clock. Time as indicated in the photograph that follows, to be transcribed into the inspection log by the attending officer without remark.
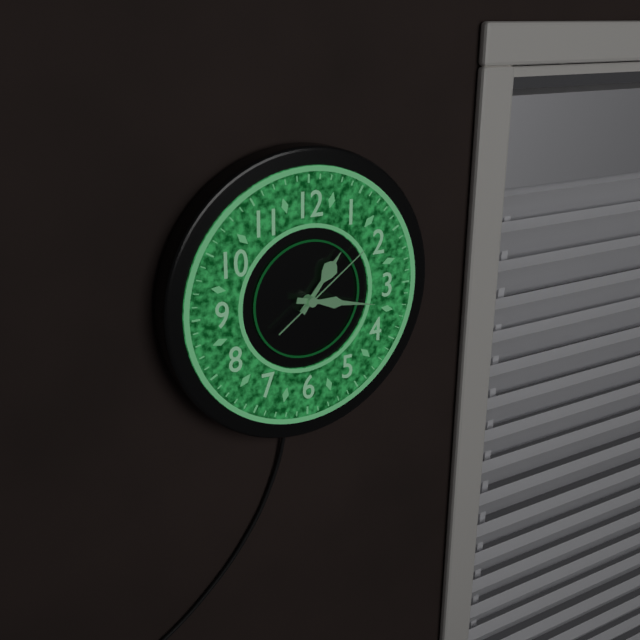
1:17:09
